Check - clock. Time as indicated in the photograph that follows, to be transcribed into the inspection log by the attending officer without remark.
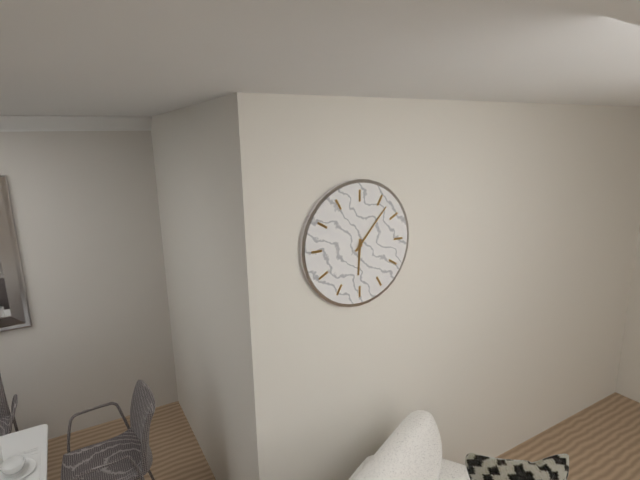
6:07
